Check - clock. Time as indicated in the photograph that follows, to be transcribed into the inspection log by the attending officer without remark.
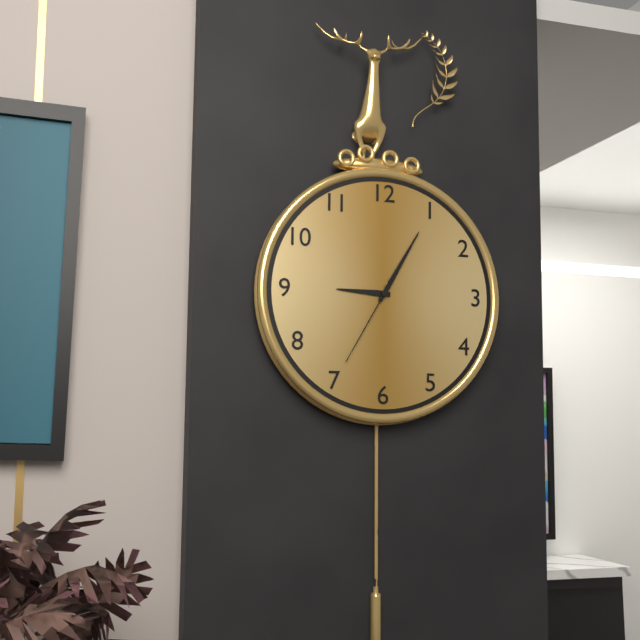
9:05:35
